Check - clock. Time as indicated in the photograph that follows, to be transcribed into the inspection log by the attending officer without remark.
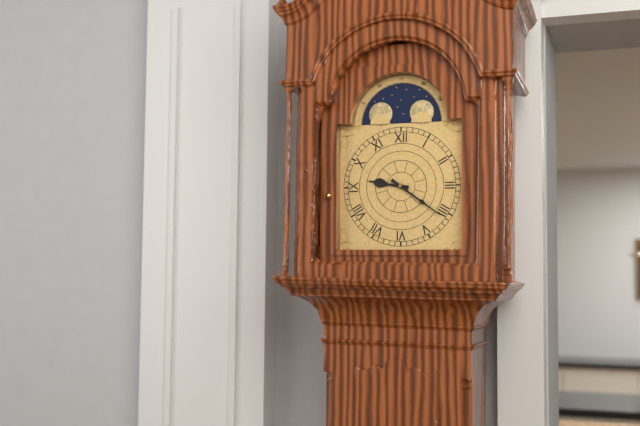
9:21
